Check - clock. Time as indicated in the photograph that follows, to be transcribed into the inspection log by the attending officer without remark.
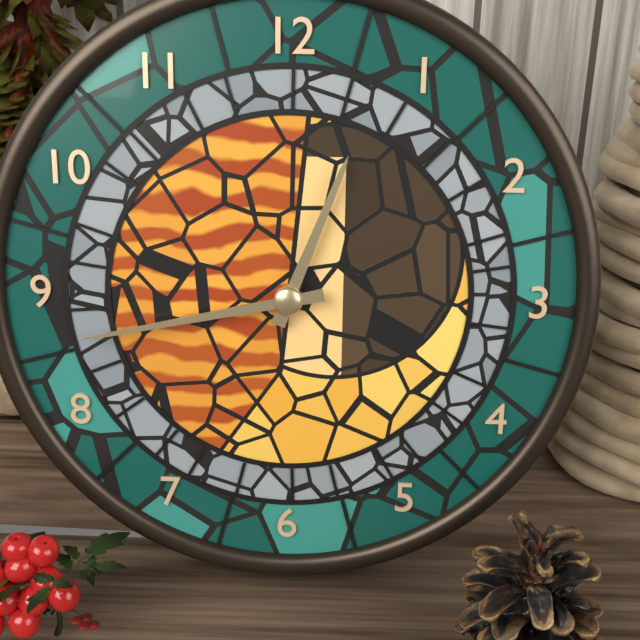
12:43
